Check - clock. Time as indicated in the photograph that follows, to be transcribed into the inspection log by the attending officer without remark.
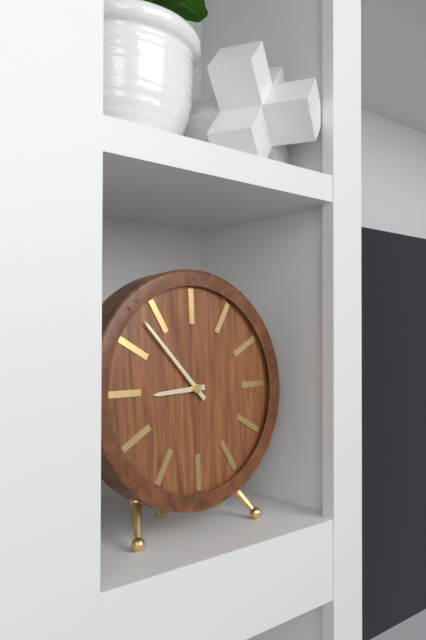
8:53
